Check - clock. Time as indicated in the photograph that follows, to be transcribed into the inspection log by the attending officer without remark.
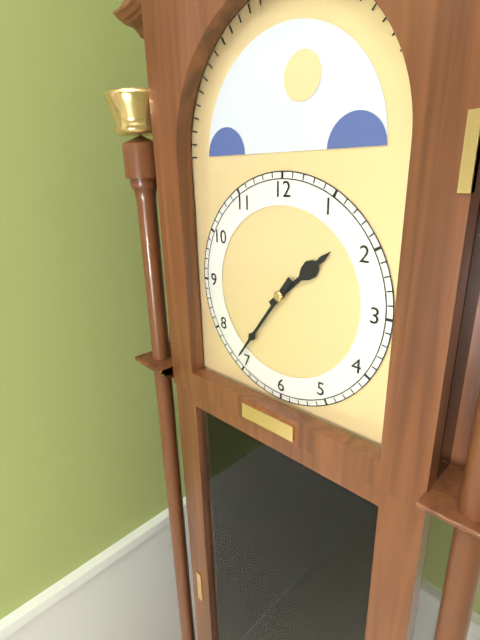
1:36
